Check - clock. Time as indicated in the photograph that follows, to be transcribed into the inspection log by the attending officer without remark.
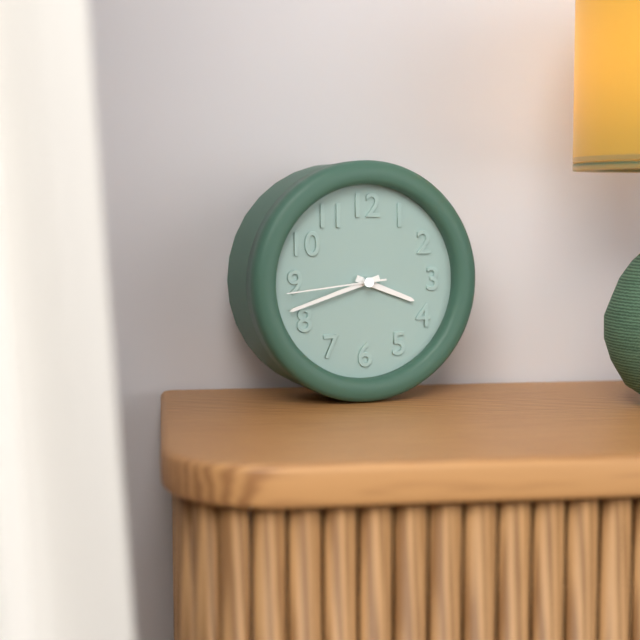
3:42:44
